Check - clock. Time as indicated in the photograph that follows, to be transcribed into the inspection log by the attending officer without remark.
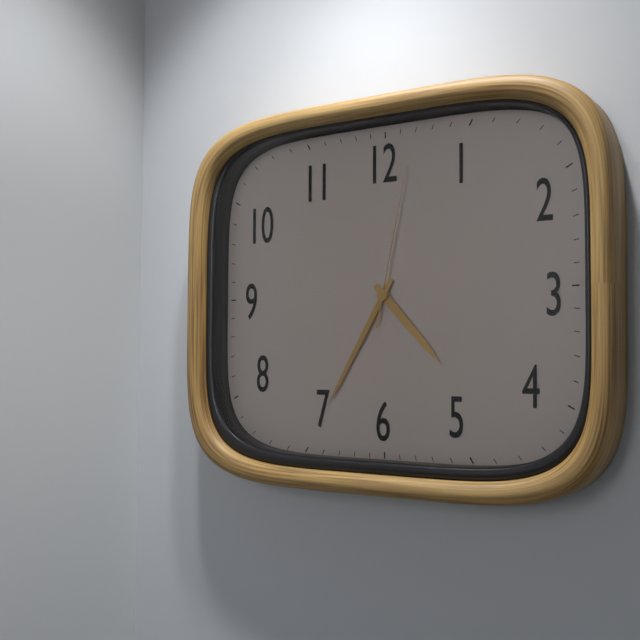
4:35:02
